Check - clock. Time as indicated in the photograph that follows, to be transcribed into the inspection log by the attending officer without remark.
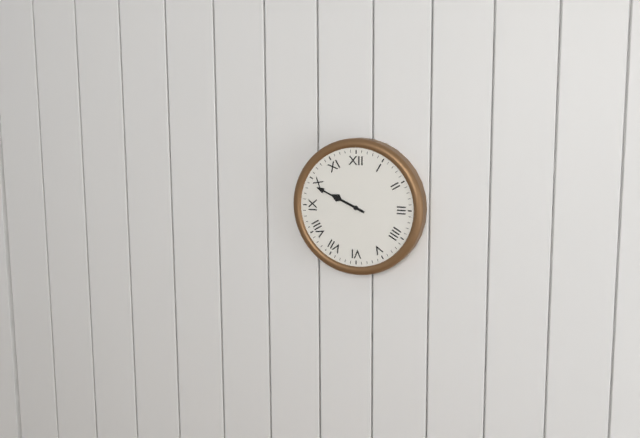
9:49
